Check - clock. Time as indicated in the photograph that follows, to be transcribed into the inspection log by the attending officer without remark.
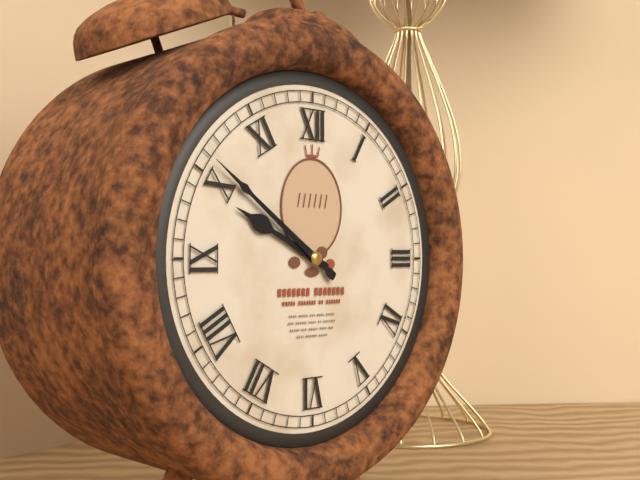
9:51
